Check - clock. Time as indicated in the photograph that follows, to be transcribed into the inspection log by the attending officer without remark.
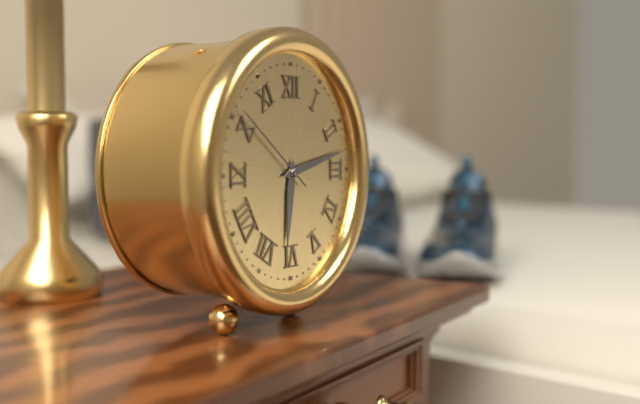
6:13:51
